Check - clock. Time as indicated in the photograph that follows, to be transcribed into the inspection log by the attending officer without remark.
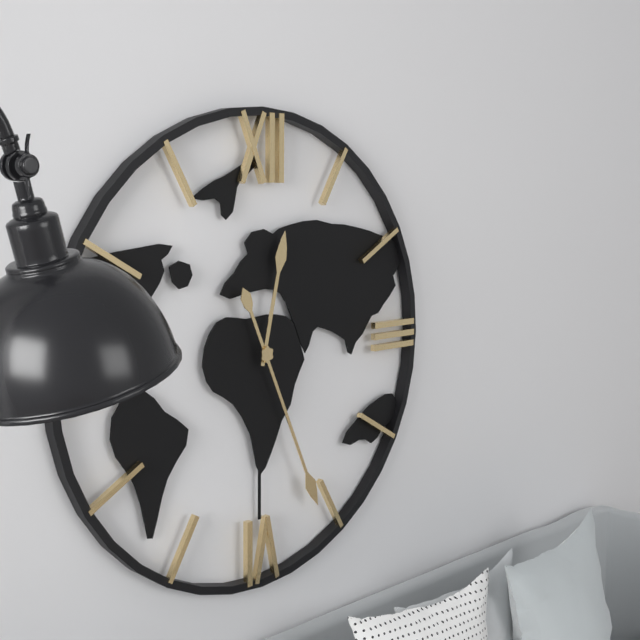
12:26
